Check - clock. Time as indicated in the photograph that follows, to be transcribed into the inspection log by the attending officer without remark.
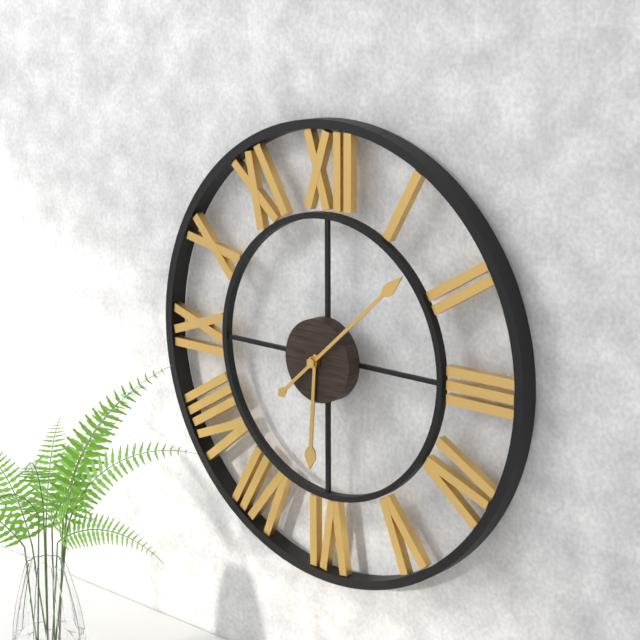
6:08
